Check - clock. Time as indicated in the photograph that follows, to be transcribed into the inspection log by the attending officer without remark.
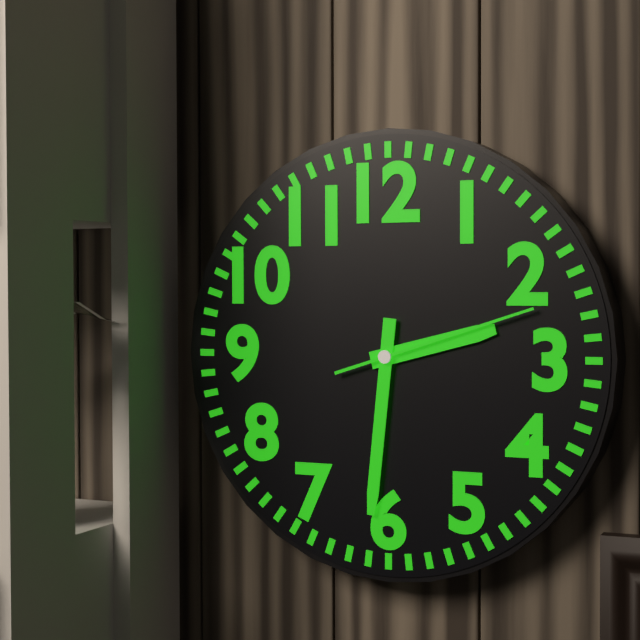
2:31:12
